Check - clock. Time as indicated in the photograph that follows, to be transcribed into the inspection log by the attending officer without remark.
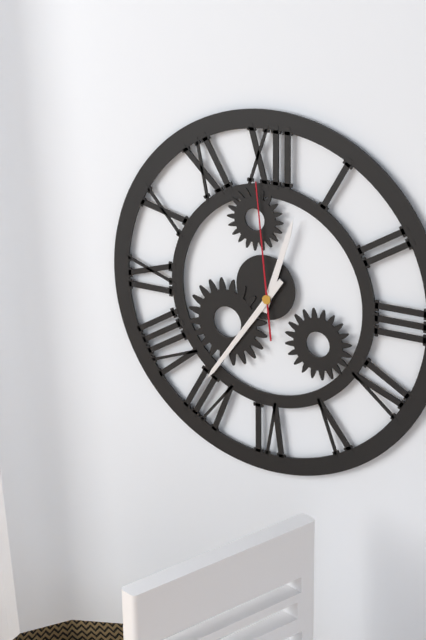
12:36:59
